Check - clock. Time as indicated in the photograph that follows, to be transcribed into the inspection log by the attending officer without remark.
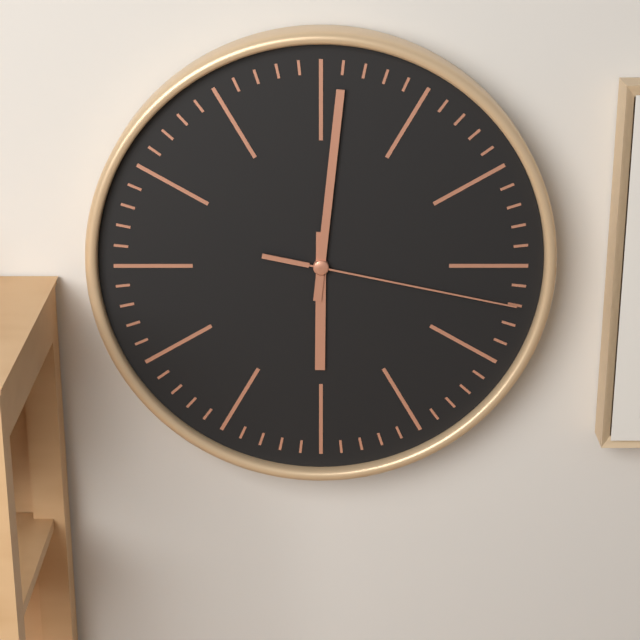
6:01:17
